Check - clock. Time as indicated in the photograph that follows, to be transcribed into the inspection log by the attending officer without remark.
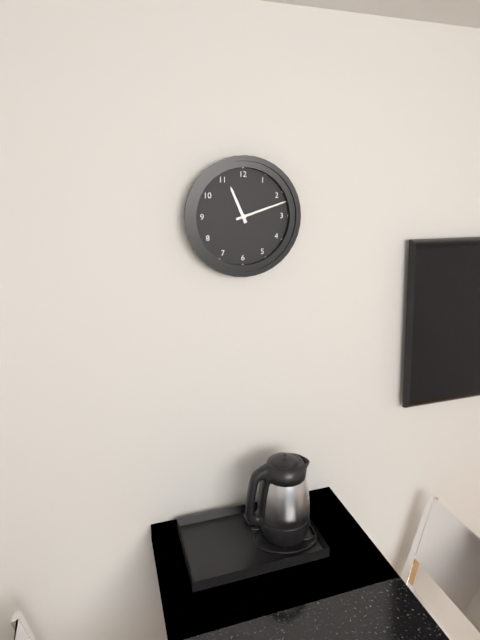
11:12
